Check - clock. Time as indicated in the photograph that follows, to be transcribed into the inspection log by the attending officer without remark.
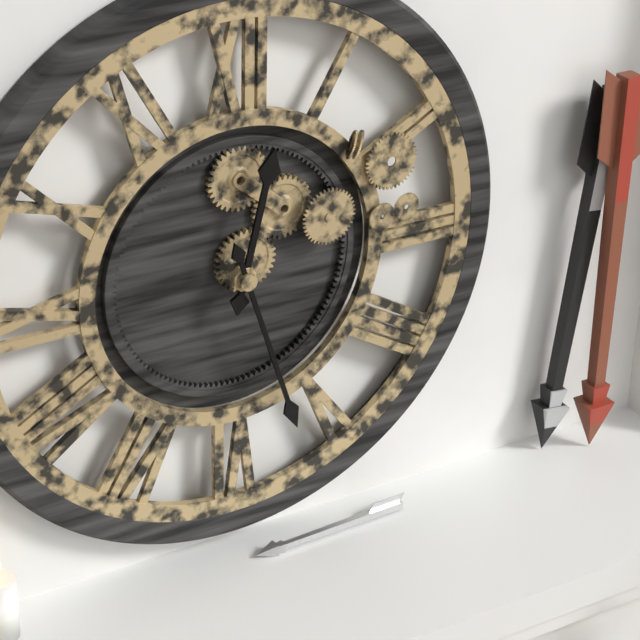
12:27
